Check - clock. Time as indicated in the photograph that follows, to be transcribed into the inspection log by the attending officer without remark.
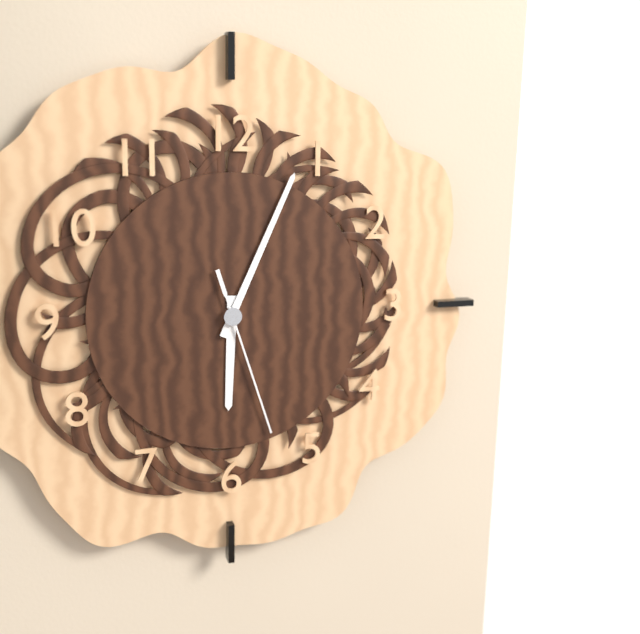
6:04:27
